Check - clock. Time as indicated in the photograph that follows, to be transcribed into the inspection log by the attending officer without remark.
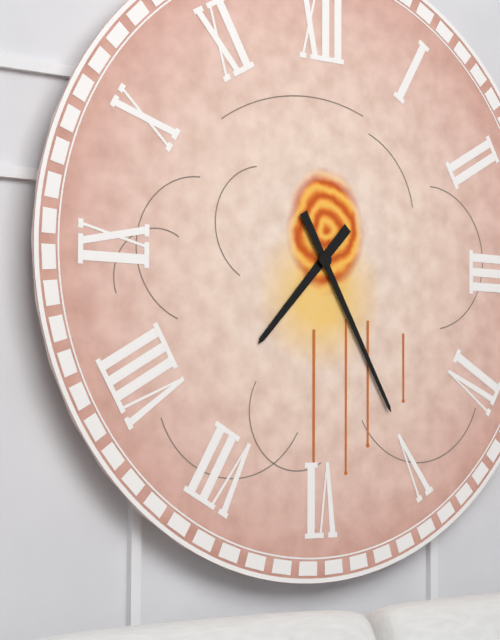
7:25
